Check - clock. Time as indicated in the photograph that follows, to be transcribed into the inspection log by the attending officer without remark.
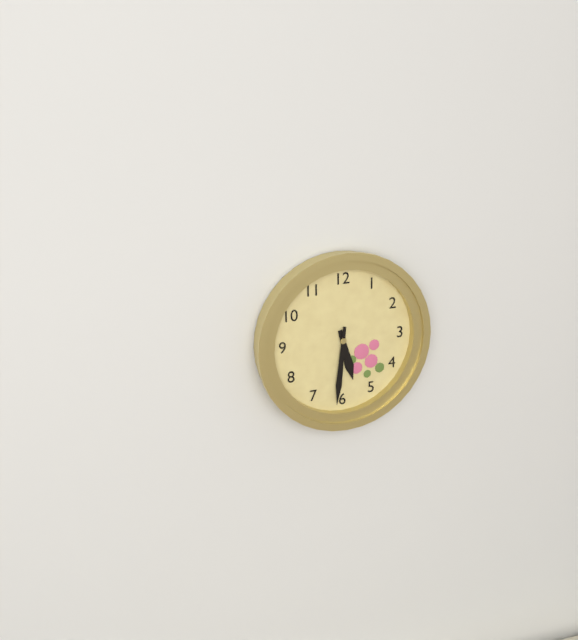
5:31
